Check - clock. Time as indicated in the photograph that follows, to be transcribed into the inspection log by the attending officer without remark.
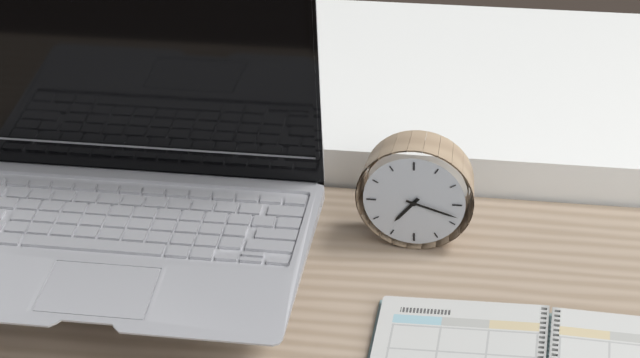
7:18
